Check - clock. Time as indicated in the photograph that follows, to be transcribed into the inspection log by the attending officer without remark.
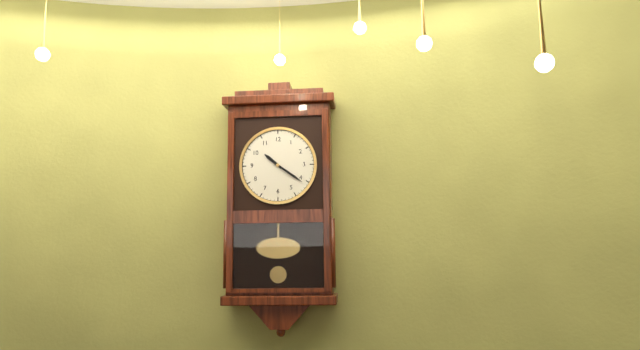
10:21
